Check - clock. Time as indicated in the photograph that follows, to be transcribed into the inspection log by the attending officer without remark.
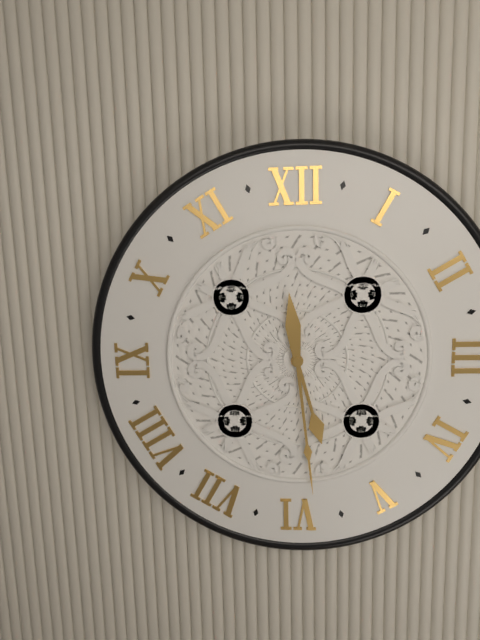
5:29
